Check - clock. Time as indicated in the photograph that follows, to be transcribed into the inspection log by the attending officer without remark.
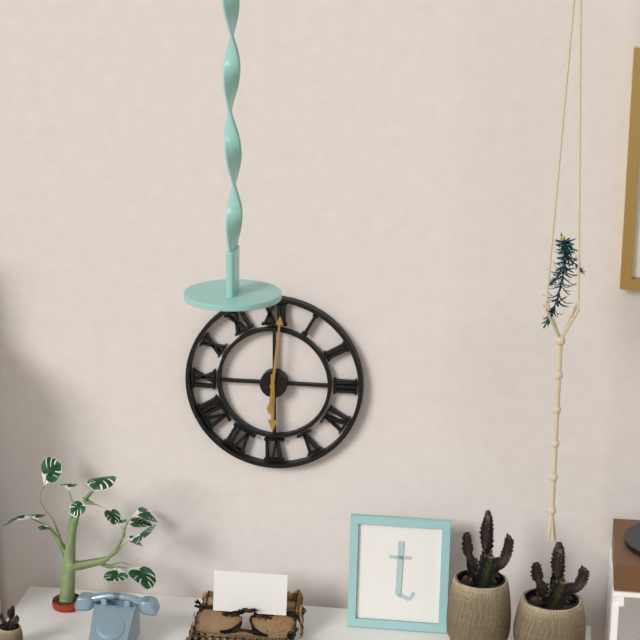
6:01
